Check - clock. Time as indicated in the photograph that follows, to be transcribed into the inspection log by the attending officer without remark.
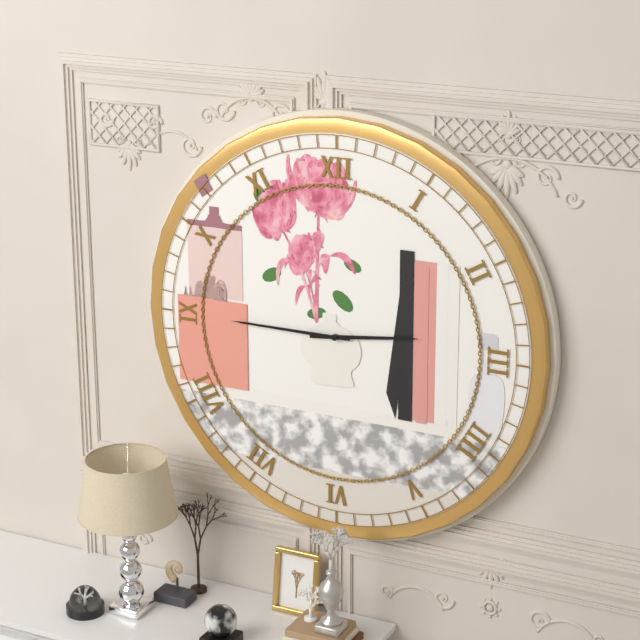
2:45
